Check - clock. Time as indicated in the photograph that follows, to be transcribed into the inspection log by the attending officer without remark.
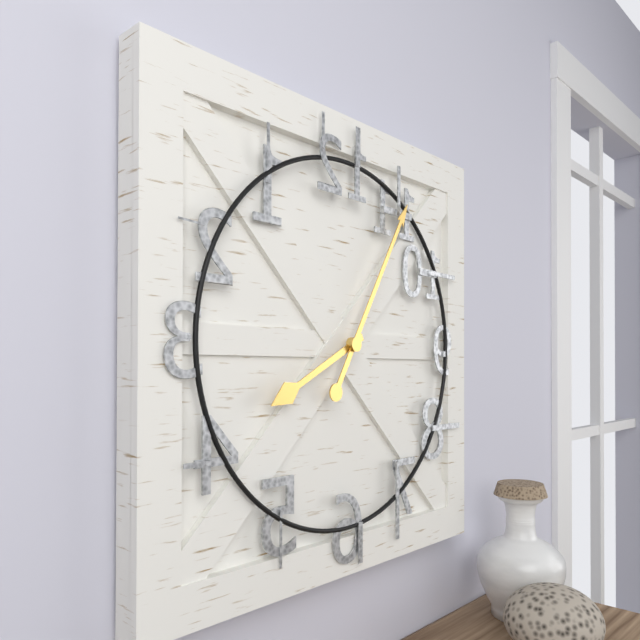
8:05
